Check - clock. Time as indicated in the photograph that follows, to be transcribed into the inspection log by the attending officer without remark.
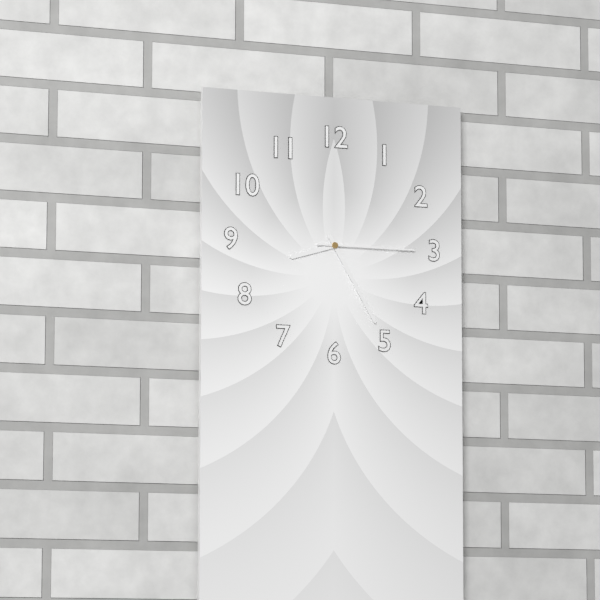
8:25:15
